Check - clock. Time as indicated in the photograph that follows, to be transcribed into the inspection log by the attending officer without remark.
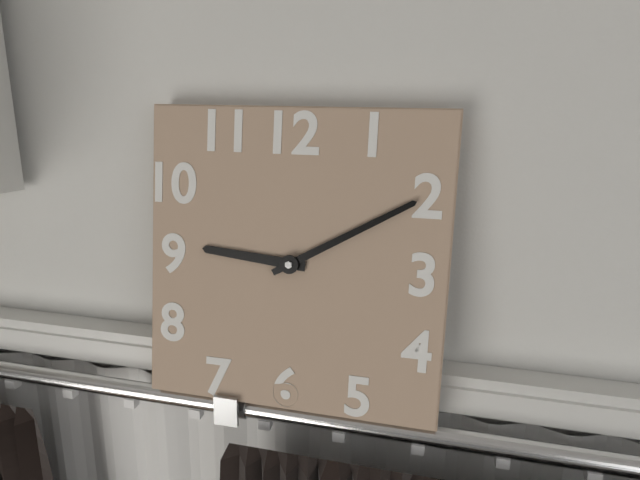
9:10
